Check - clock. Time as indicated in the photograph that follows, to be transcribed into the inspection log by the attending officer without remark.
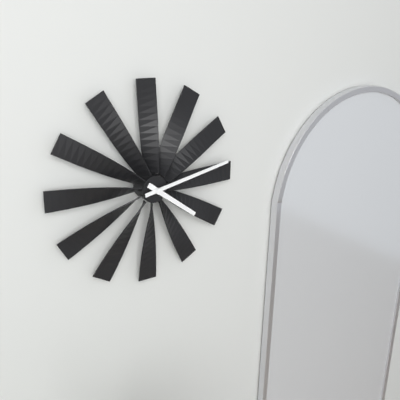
4:13
